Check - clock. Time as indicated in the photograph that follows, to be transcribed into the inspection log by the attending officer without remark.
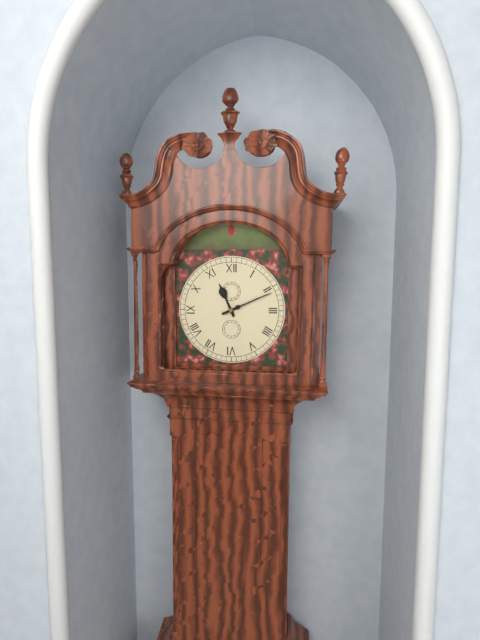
11:11
